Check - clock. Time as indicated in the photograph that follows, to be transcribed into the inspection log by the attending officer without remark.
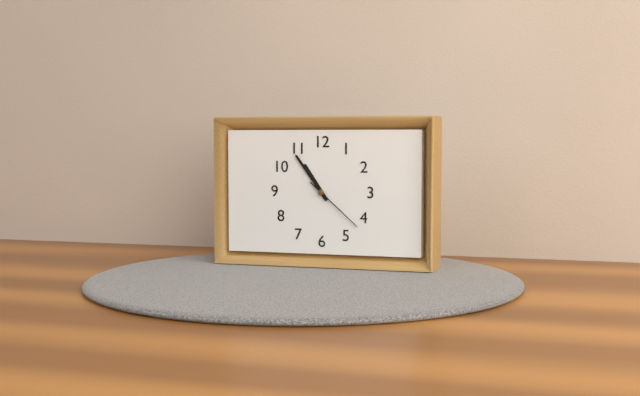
10:54:22
